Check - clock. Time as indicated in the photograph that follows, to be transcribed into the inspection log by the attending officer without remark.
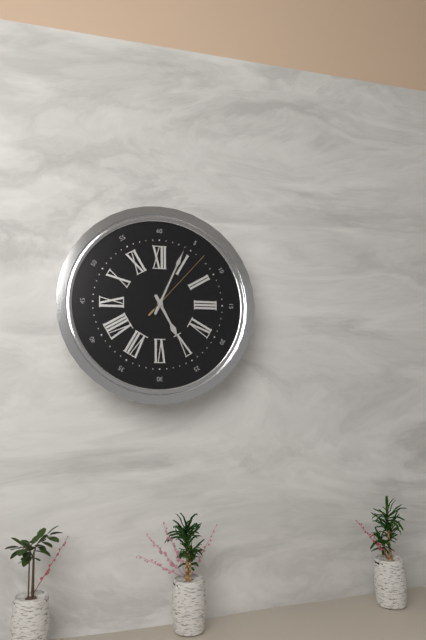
5:04:07
